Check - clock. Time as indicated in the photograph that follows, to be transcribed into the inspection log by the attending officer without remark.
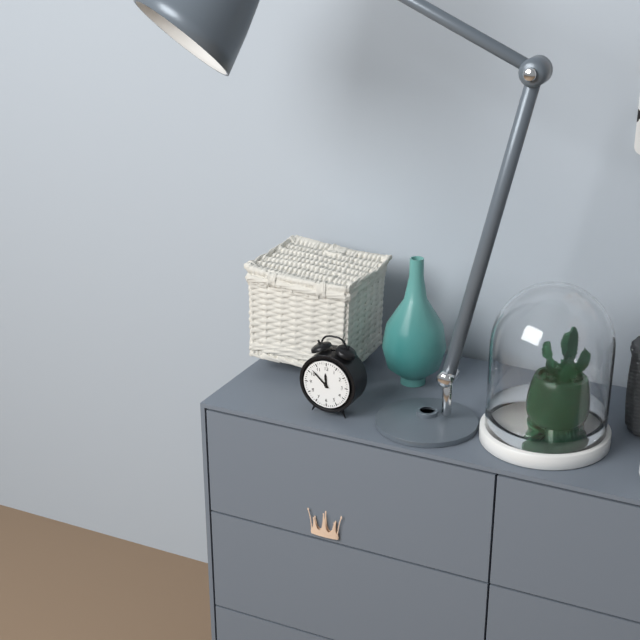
11:52
